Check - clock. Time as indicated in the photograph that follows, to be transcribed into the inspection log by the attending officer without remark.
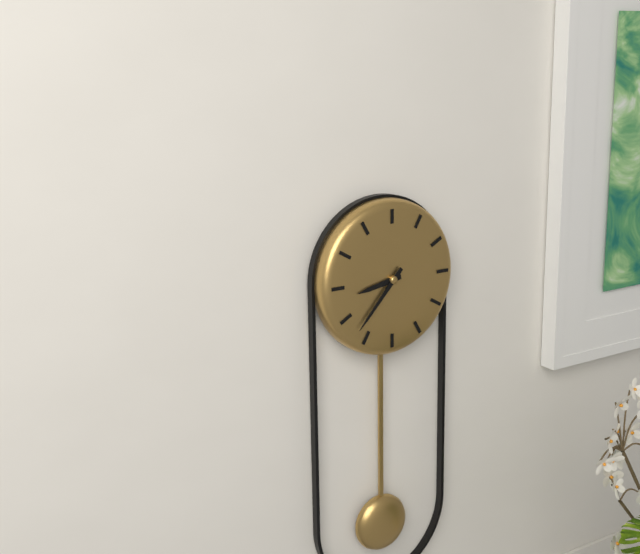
8:37
